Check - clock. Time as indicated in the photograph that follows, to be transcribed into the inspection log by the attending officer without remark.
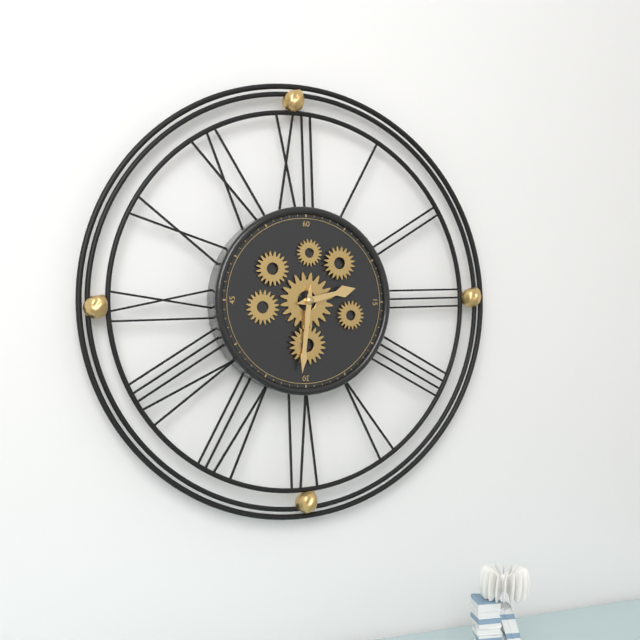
2:31
